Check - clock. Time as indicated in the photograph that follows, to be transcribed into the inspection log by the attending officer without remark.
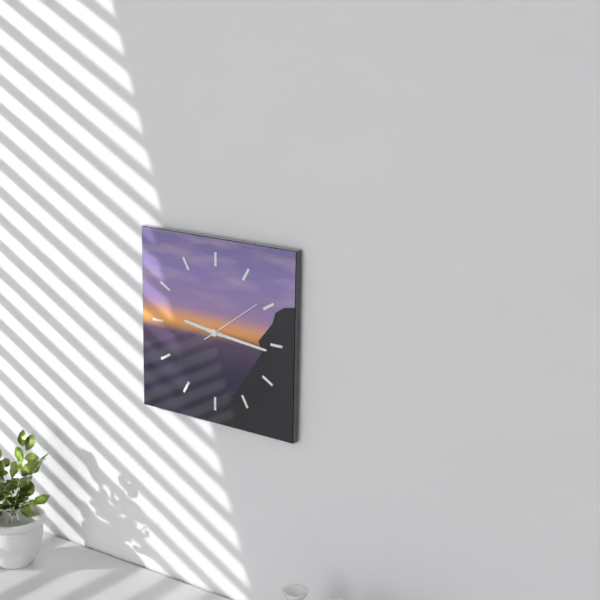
9:16:09
